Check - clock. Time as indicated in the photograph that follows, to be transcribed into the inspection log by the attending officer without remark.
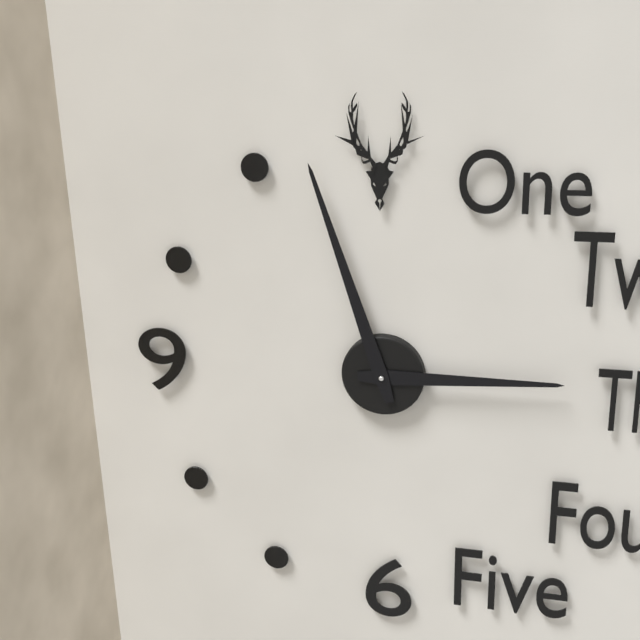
2:57
